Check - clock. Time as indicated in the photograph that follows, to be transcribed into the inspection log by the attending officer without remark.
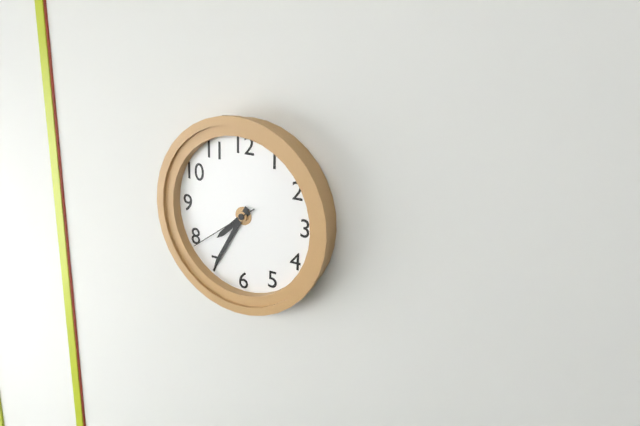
7:35:39
